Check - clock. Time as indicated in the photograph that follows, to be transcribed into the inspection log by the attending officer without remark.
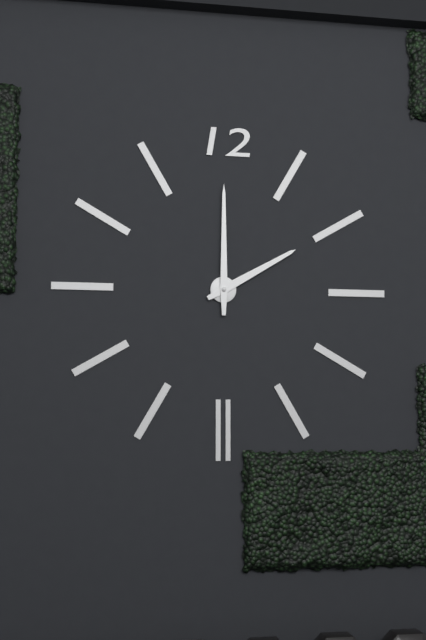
2:00
